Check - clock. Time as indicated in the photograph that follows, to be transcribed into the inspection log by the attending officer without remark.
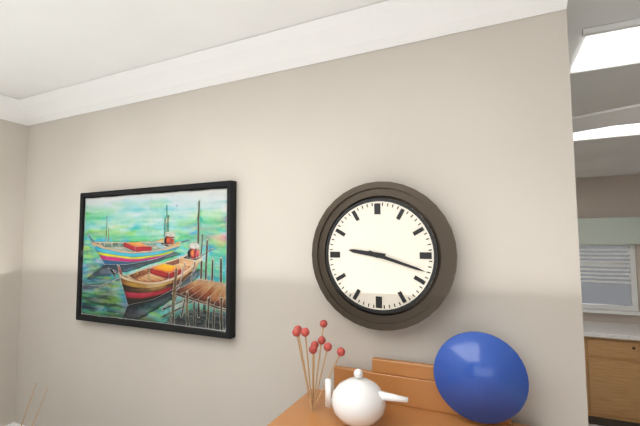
9:18
